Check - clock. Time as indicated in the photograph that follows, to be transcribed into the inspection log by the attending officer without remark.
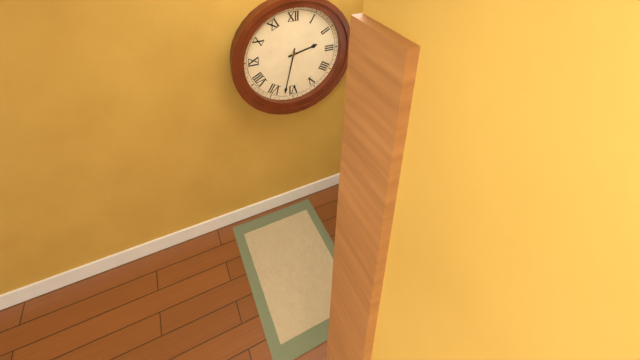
2:32
